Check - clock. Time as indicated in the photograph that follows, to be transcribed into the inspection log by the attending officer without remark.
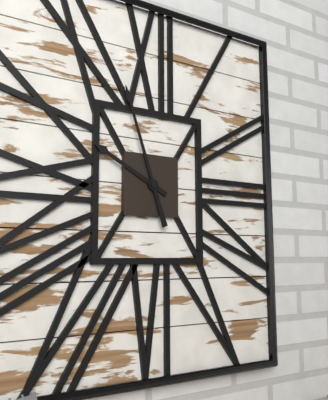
9:57
